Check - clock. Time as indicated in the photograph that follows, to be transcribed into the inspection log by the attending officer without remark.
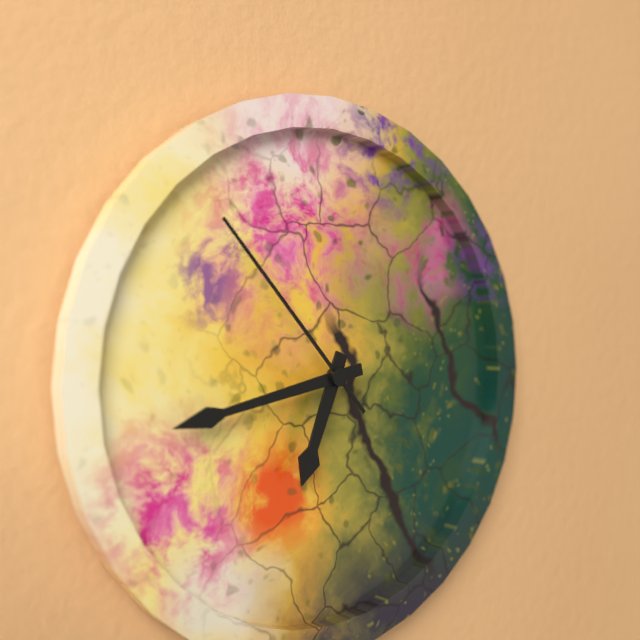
6:43:53
